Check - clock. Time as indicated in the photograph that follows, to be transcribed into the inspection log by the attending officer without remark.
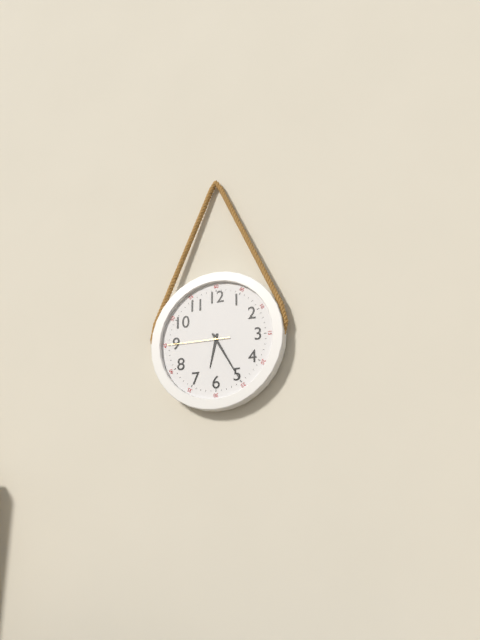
6:25:45
